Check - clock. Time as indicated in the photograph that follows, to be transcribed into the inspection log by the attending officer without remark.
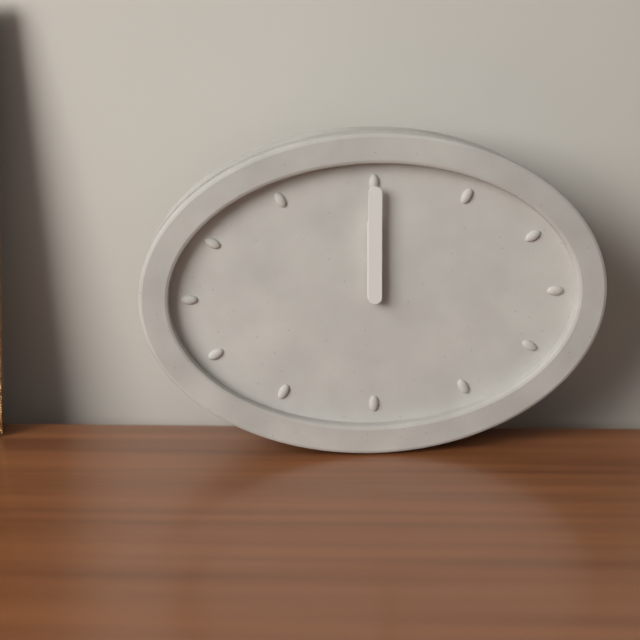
12:00
